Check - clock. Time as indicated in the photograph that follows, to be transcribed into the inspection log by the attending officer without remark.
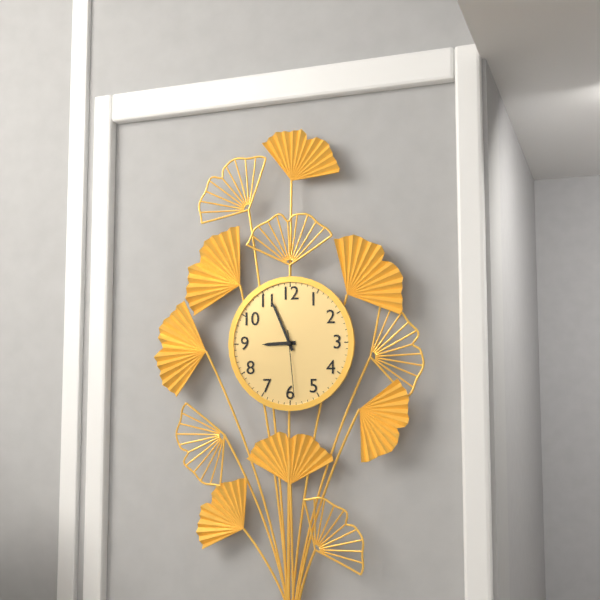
8:56:29
